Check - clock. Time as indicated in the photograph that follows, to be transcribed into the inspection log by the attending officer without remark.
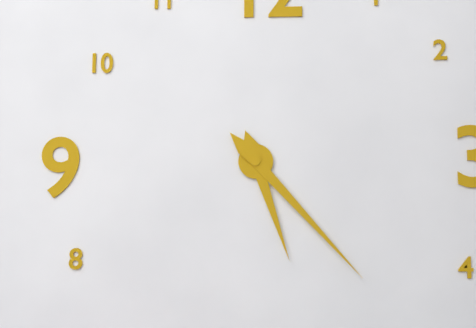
5:23
